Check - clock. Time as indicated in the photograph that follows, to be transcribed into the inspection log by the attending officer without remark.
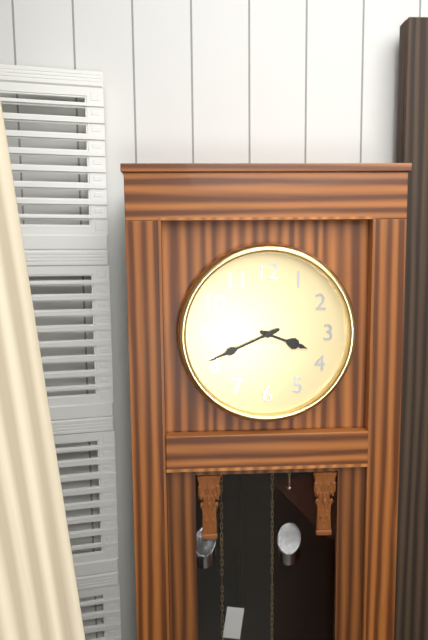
3:41
